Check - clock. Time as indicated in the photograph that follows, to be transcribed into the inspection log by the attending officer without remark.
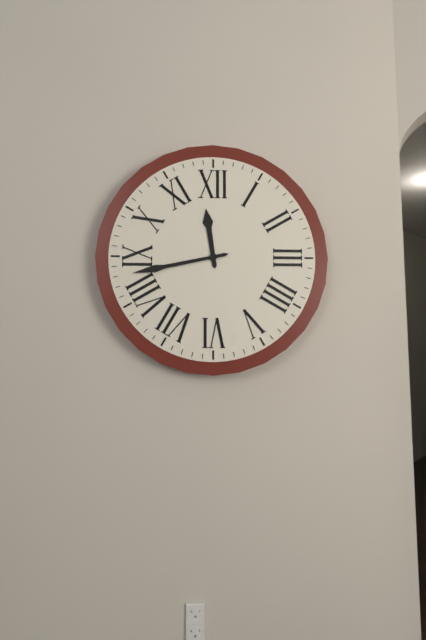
11:43
